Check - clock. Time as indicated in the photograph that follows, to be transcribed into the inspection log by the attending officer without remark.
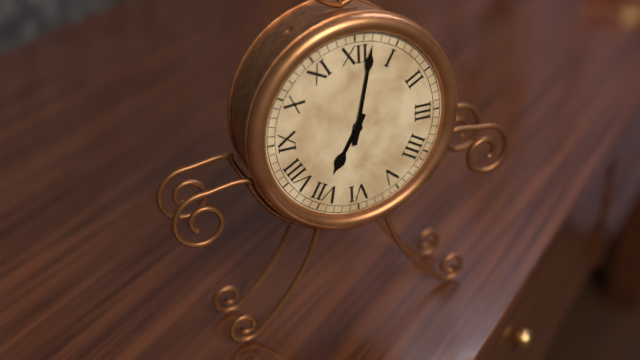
7:02
